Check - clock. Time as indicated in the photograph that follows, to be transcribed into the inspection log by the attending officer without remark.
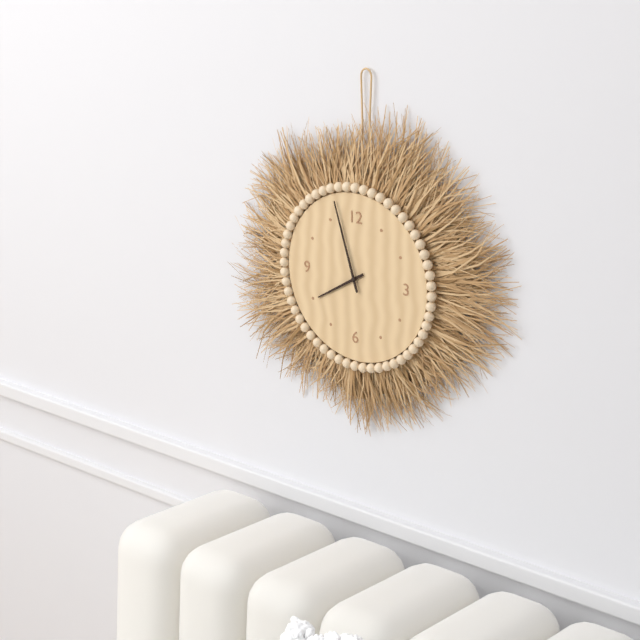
7:57
